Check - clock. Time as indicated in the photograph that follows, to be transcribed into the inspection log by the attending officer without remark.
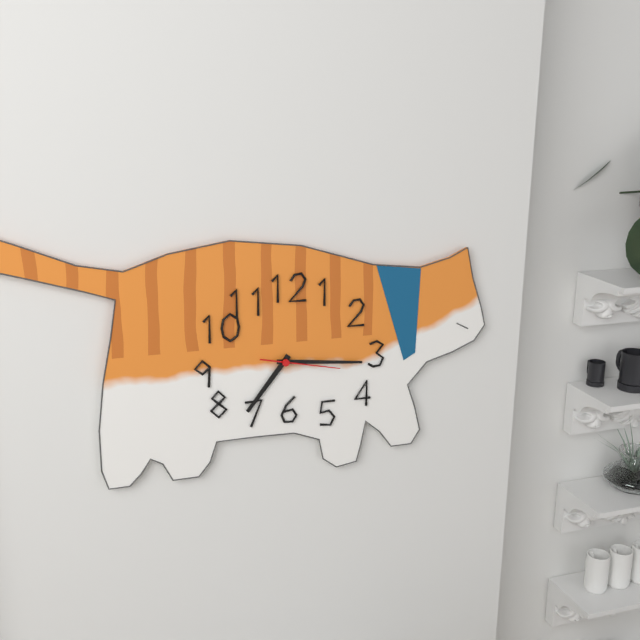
7:16:17
